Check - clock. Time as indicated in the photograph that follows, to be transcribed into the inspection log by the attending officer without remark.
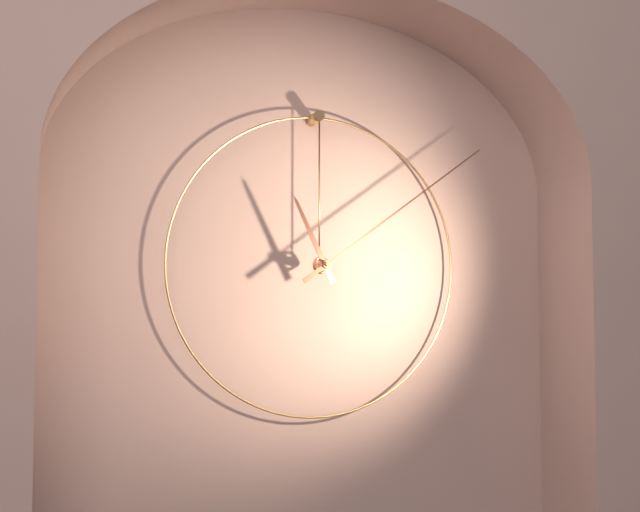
11:09
